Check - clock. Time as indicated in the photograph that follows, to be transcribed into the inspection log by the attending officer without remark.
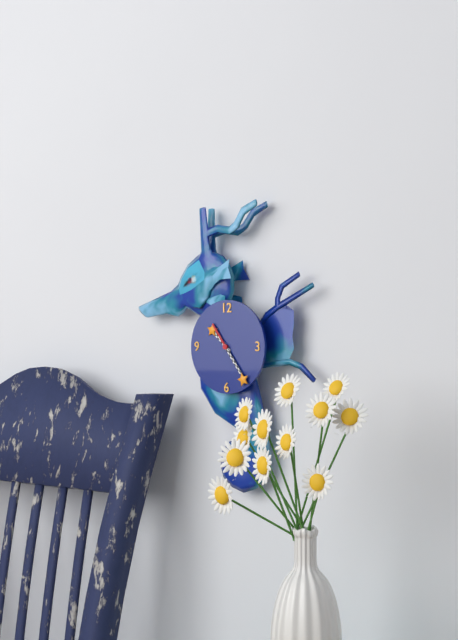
10:24
